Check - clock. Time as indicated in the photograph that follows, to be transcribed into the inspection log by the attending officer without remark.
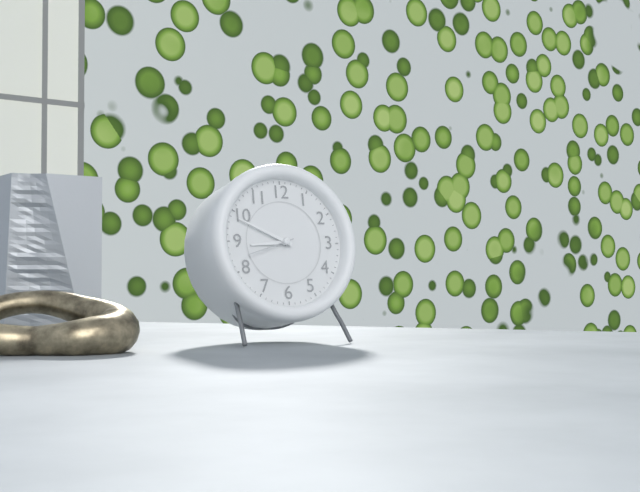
8:49
